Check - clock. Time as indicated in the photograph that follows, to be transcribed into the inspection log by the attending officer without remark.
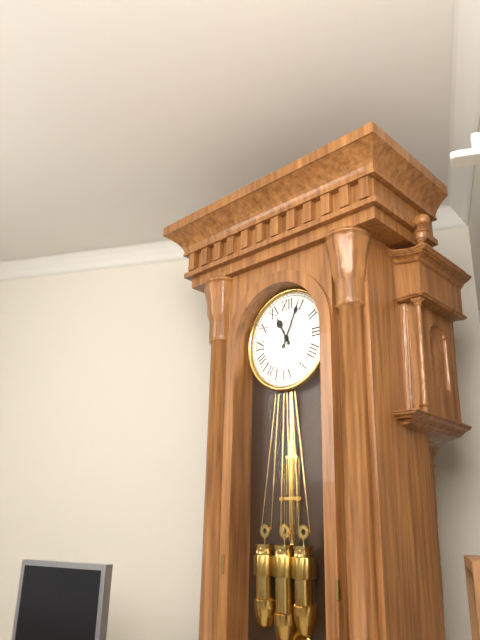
11:04
